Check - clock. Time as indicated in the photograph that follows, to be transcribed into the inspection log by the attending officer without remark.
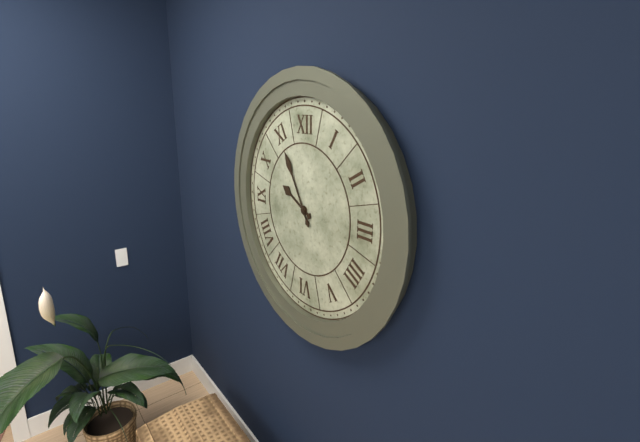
9:55
